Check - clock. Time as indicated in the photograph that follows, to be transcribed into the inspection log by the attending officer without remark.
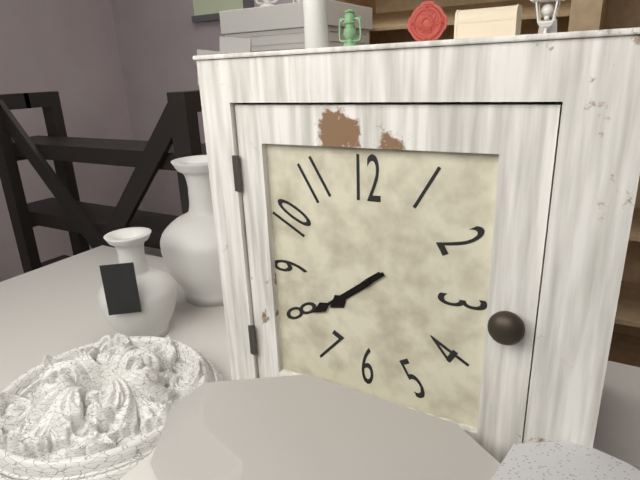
7:39
